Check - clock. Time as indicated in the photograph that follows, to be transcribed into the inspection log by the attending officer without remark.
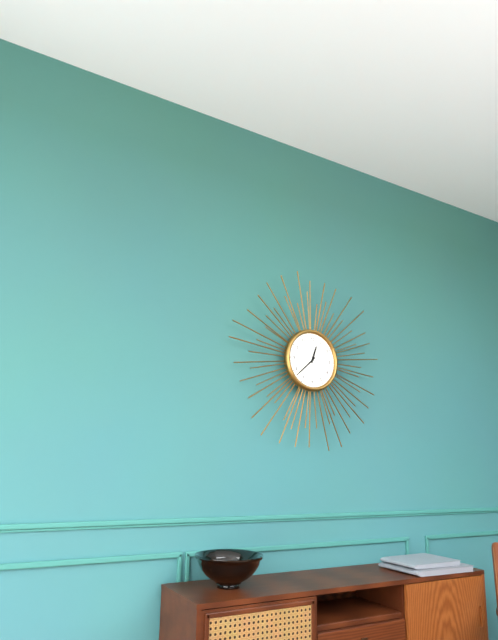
12:38
